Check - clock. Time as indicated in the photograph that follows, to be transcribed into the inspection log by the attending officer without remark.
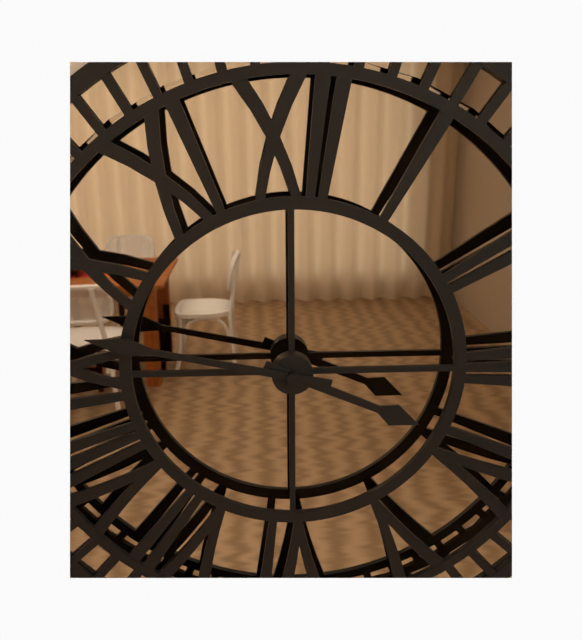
3:47
